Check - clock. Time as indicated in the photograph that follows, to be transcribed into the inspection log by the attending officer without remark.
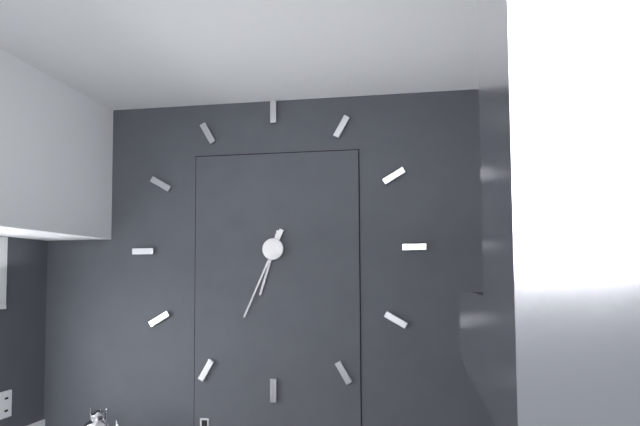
6:34
